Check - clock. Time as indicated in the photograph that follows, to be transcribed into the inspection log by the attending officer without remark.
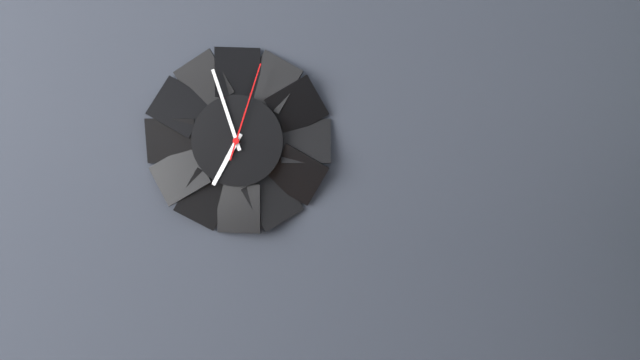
6:57:03
